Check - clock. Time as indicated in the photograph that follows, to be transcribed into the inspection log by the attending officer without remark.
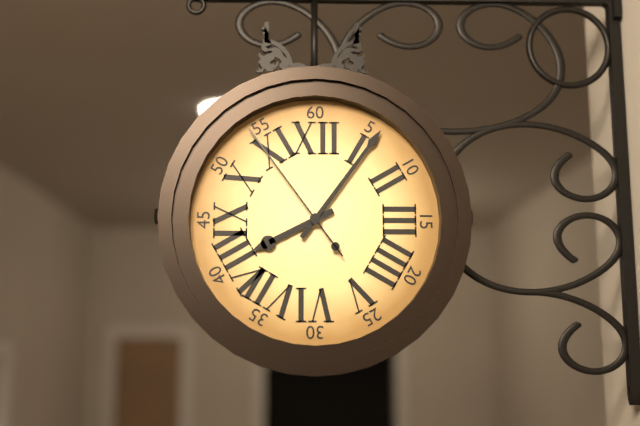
8:06:54
